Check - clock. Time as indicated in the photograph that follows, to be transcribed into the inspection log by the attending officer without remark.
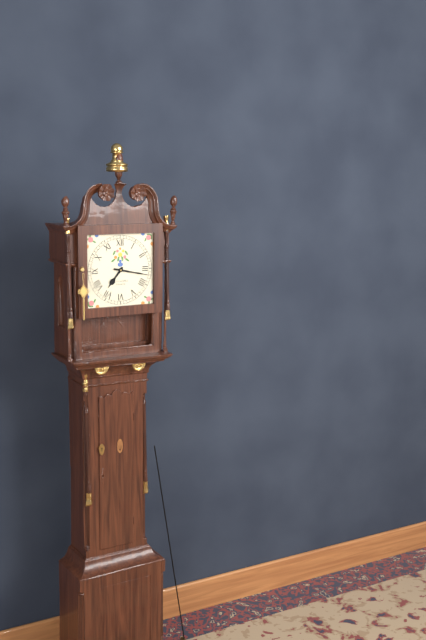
7:17
